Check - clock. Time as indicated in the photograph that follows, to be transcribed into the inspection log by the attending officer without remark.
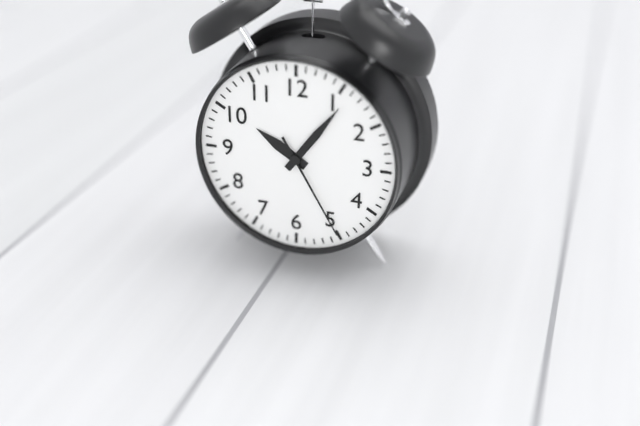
10:06:25
